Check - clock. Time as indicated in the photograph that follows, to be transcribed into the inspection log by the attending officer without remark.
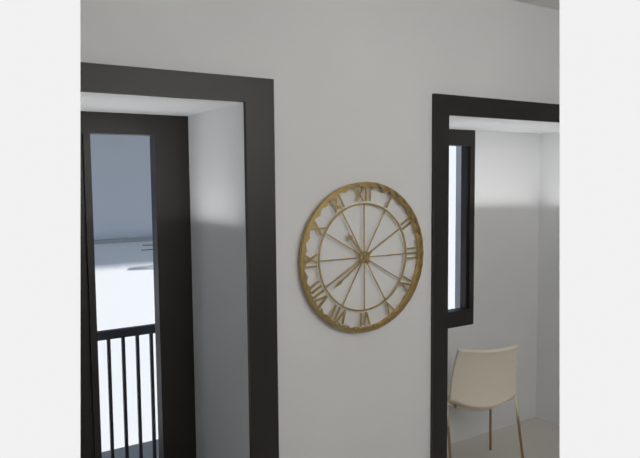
10:39
